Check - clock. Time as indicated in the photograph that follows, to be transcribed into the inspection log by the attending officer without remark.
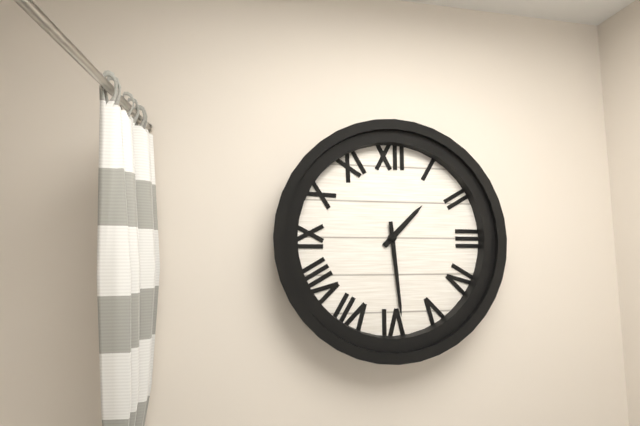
1:29
